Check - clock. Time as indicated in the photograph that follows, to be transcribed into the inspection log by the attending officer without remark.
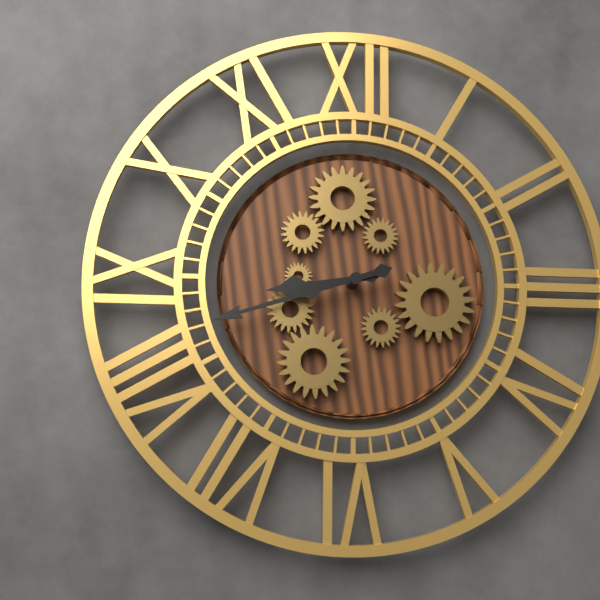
8:42
